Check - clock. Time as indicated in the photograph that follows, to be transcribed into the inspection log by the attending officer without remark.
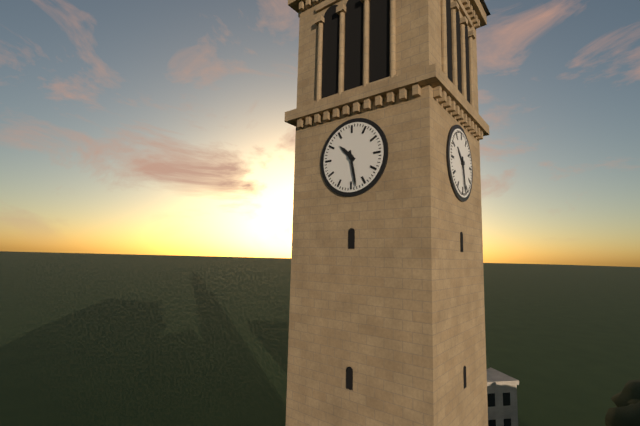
10:28
